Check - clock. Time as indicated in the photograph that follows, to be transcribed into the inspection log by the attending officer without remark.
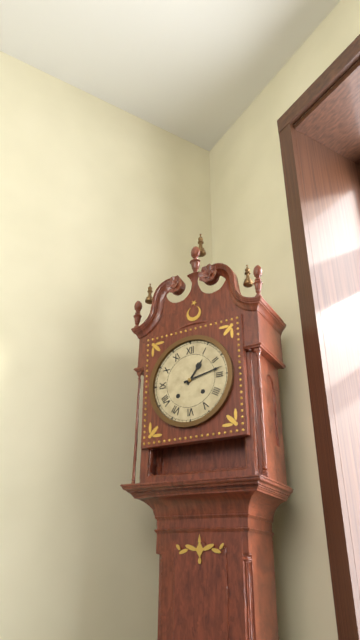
1:13
